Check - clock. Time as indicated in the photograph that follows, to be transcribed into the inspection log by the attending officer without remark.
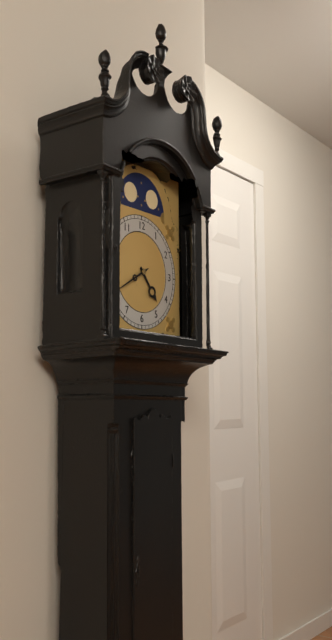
4:40
